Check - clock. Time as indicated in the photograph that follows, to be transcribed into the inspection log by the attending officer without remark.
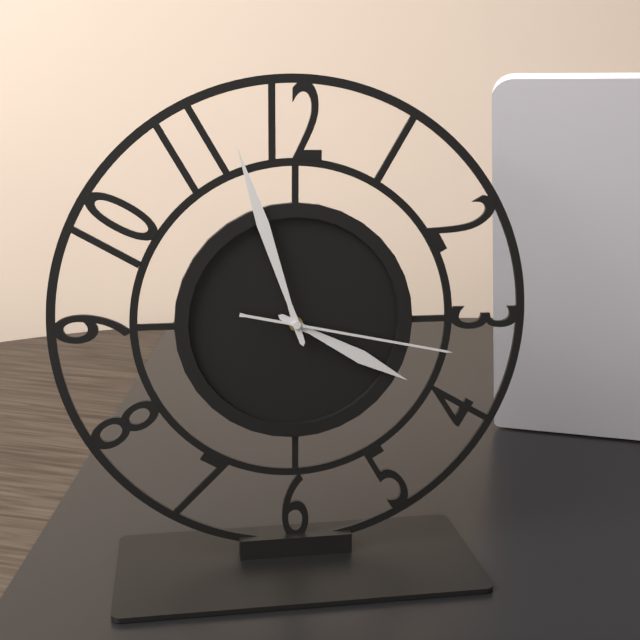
3:57:17
